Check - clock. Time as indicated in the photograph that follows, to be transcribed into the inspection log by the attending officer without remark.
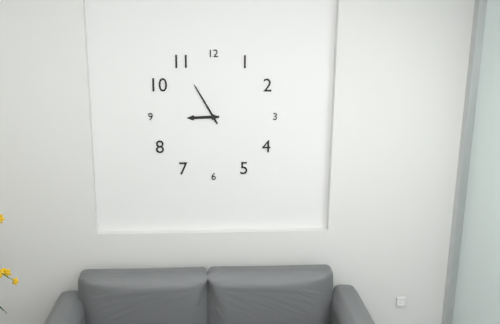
8:55
